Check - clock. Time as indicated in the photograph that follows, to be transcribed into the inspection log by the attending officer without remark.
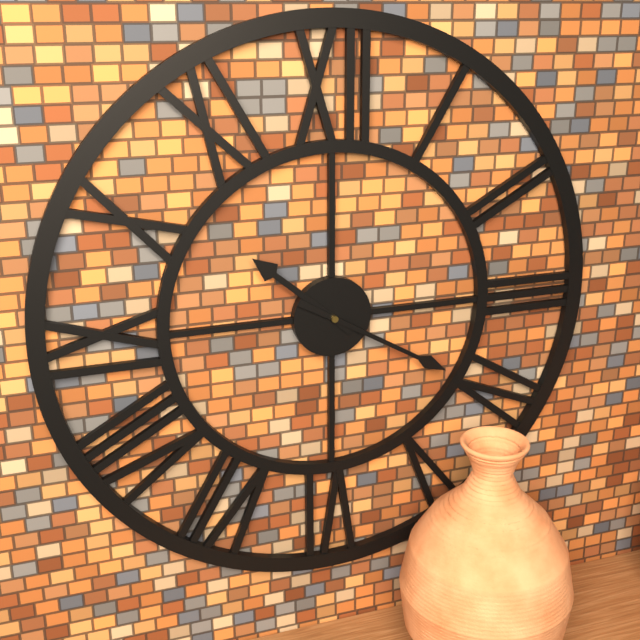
10:20
